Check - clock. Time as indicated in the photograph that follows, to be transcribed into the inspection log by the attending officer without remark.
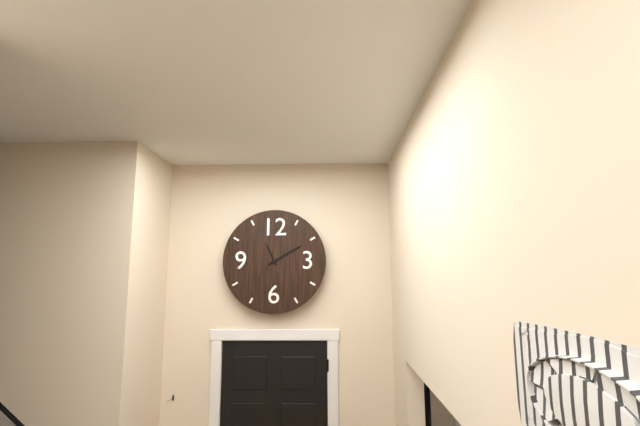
11:10
